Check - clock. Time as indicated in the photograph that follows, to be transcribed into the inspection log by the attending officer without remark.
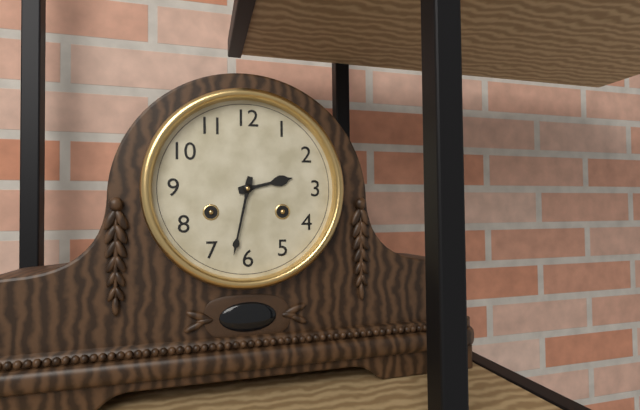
2:32
